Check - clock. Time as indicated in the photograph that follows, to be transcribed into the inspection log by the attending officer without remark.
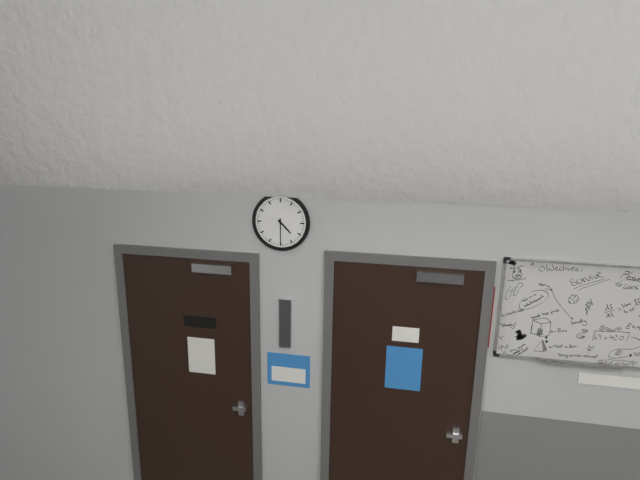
4:30
